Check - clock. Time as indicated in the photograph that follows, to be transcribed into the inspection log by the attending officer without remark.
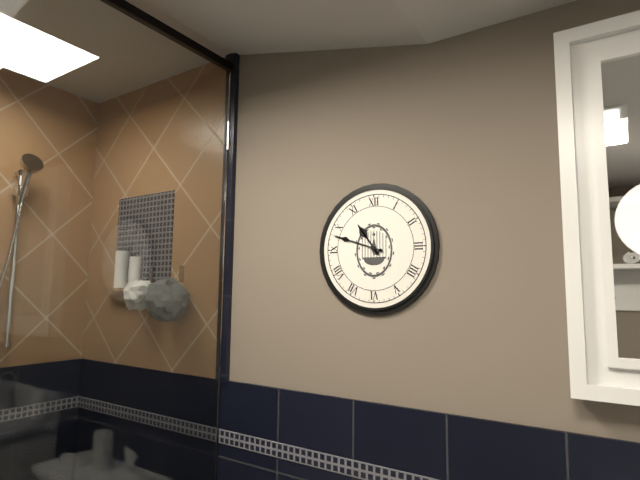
10:48
